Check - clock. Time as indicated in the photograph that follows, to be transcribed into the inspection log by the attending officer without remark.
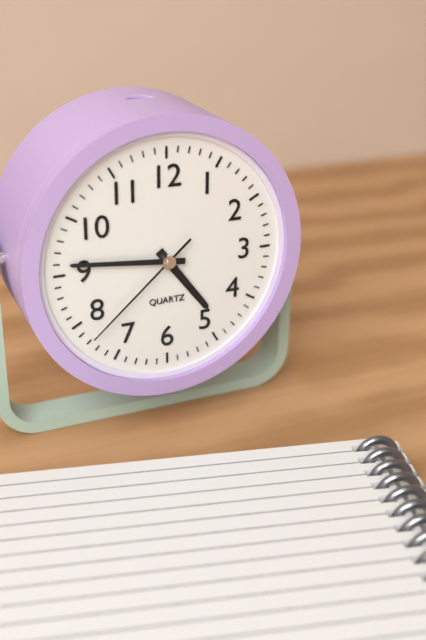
4:46:38
